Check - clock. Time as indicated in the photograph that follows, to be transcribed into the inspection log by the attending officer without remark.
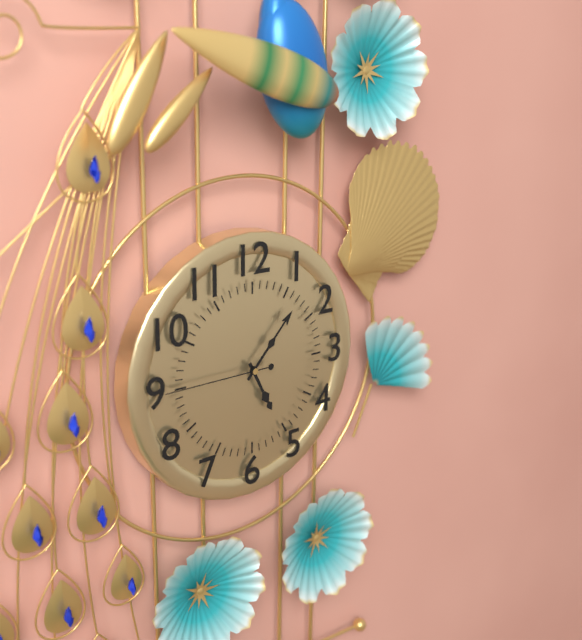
5:07:45
